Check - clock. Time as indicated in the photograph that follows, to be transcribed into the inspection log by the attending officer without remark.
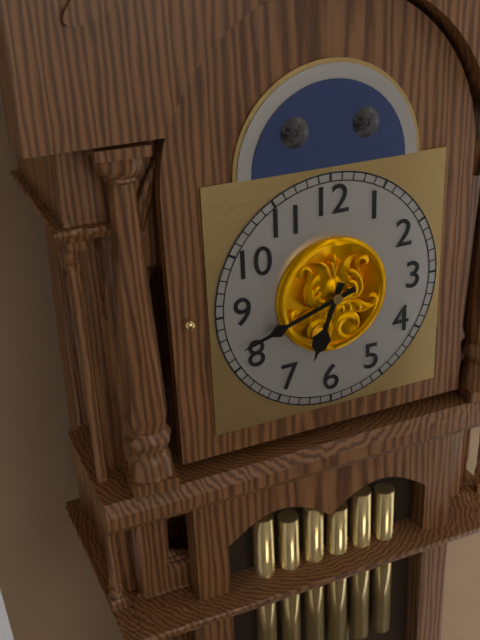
6:42
